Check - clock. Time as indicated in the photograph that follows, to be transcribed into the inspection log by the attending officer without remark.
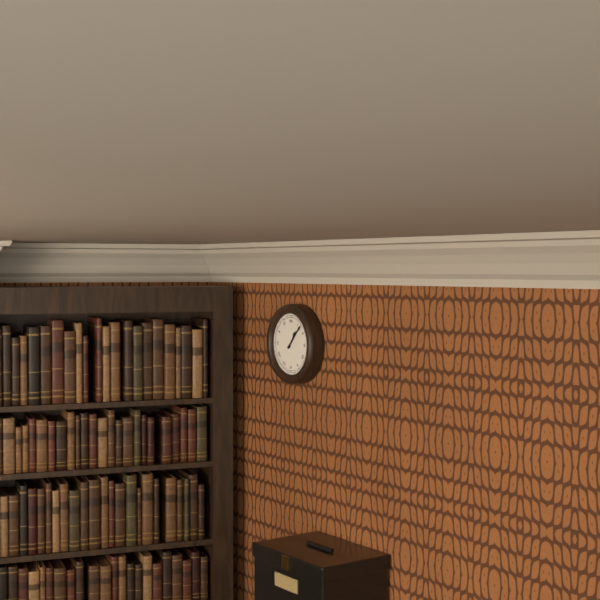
1:07
